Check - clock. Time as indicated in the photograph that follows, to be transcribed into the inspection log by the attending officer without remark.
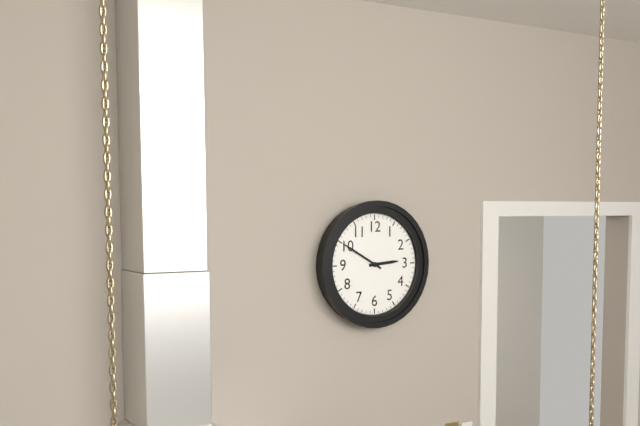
2:50
